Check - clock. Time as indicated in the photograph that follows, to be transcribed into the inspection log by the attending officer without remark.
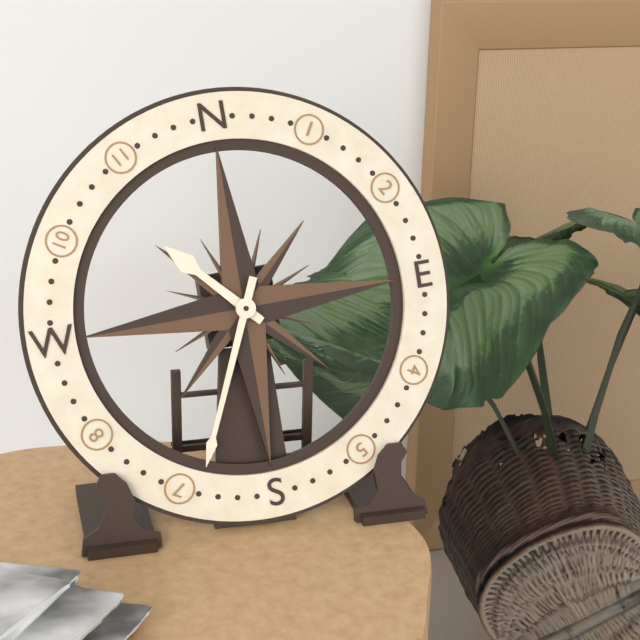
10:34
